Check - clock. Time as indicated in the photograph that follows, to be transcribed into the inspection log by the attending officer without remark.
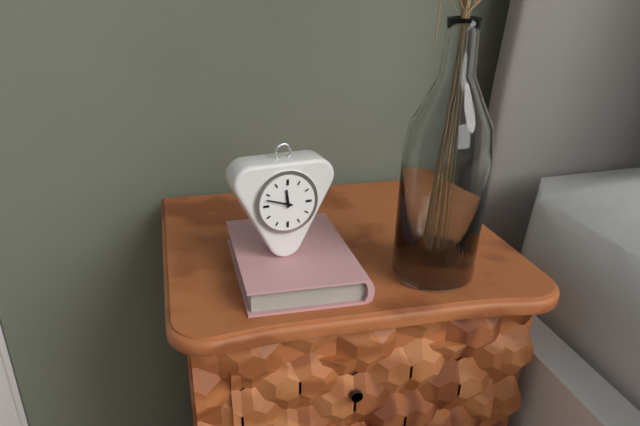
11:48
